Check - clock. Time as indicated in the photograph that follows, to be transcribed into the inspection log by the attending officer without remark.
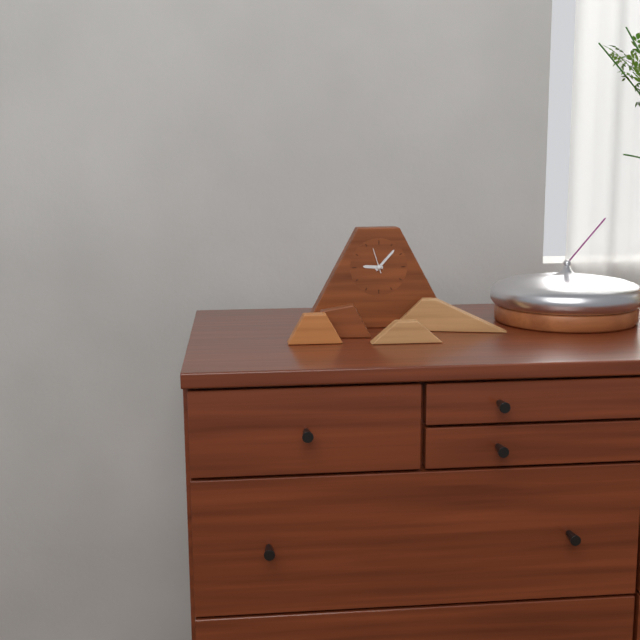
9:07
